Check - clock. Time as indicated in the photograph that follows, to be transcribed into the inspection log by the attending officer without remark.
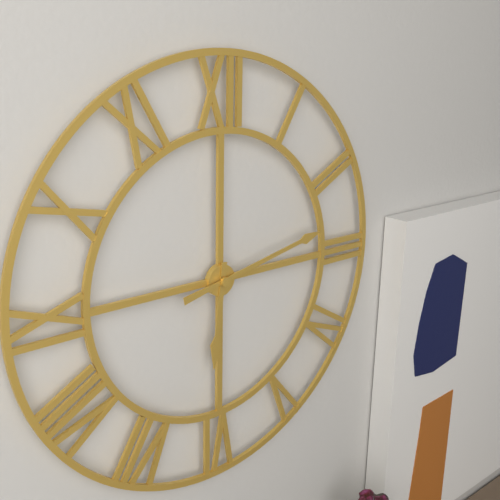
6:13
